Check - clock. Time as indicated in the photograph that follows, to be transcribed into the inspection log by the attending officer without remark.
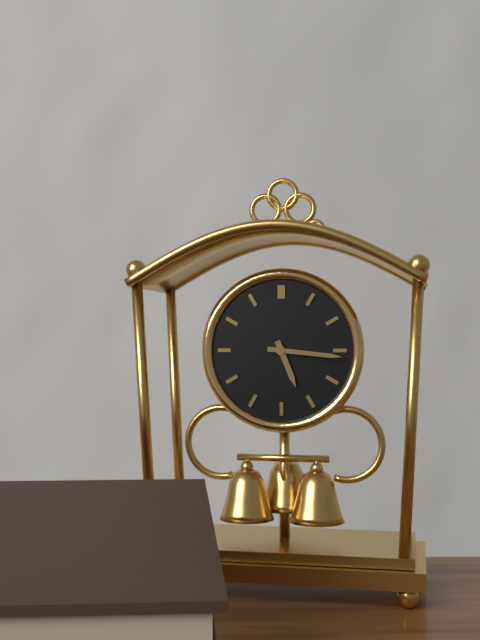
5:16
